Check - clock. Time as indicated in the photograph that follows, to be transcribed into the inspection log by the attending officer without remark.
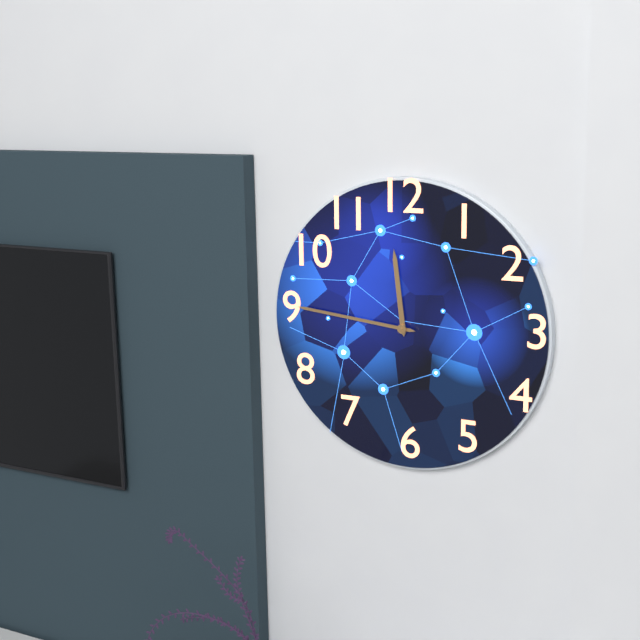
11:46
